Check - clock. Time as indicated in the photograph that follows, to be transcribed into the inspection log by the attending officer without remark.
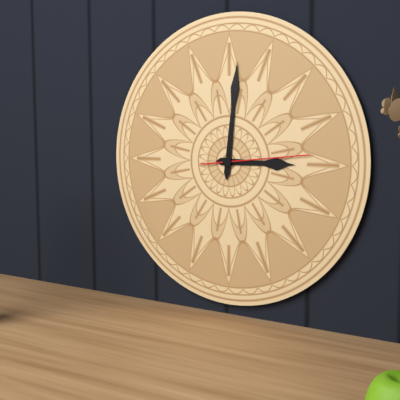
3:01:14
